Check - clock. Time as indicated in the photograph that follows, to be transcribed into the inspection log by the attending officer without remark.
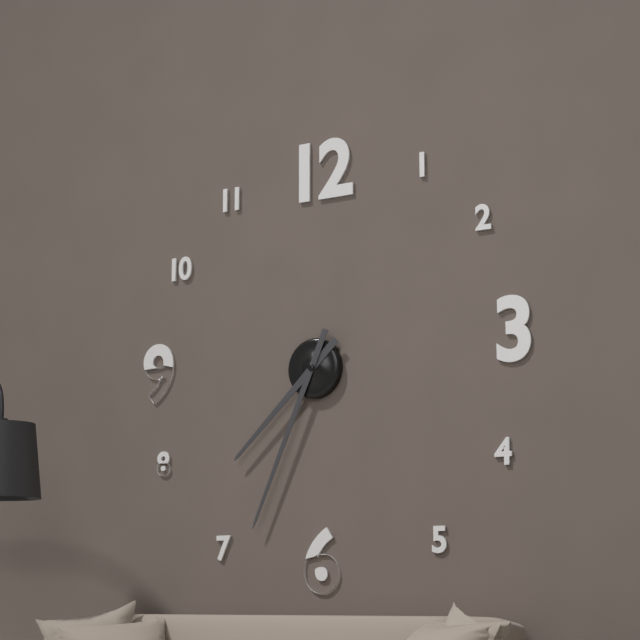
7:34
